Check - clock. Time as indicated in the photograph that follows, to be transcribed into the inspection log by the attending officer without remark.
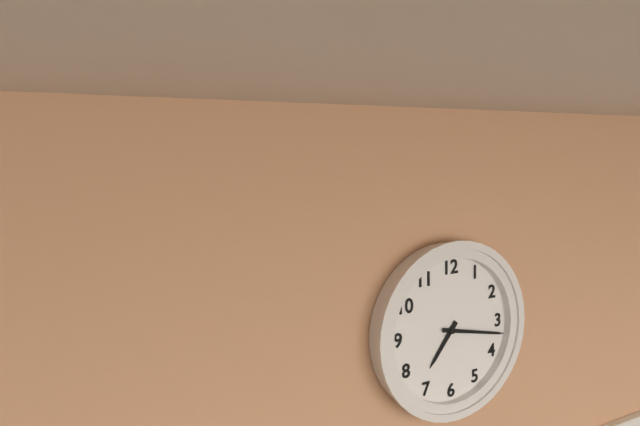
7:17
